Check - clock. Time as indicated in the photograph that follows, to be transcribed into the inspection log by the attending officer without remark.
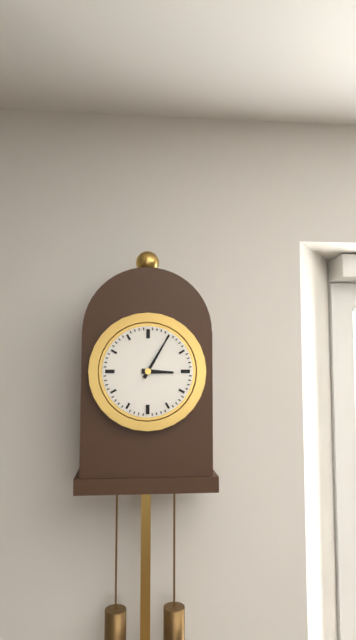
3:05
